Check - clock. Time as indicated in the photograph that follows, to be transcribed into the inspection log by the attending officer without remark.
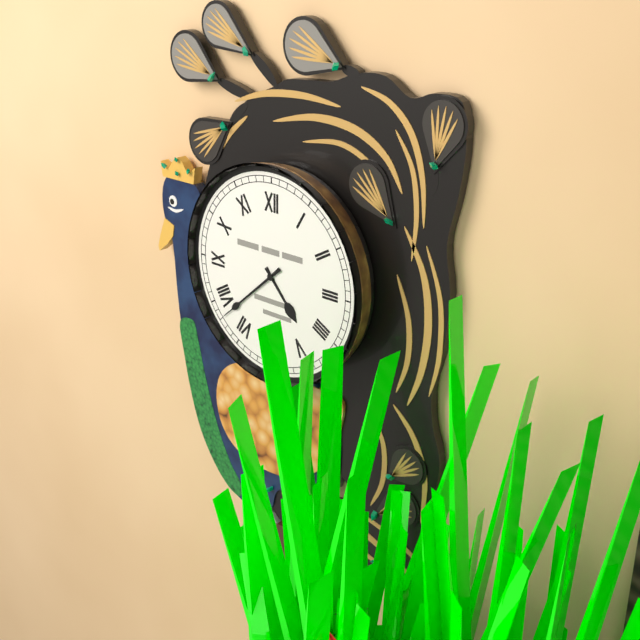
4:38
